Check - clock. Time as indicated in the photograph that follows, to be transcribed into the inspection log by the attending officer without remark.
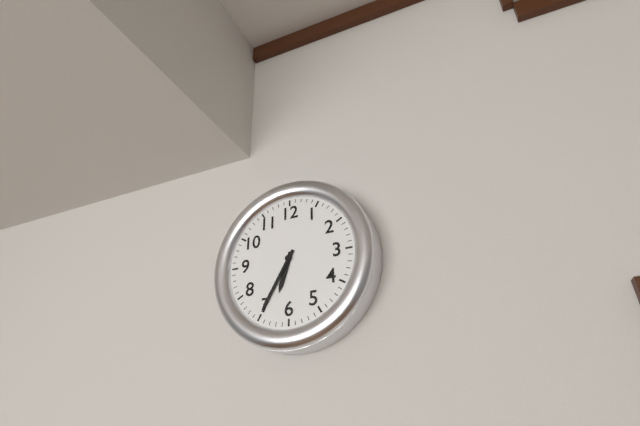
6:35
